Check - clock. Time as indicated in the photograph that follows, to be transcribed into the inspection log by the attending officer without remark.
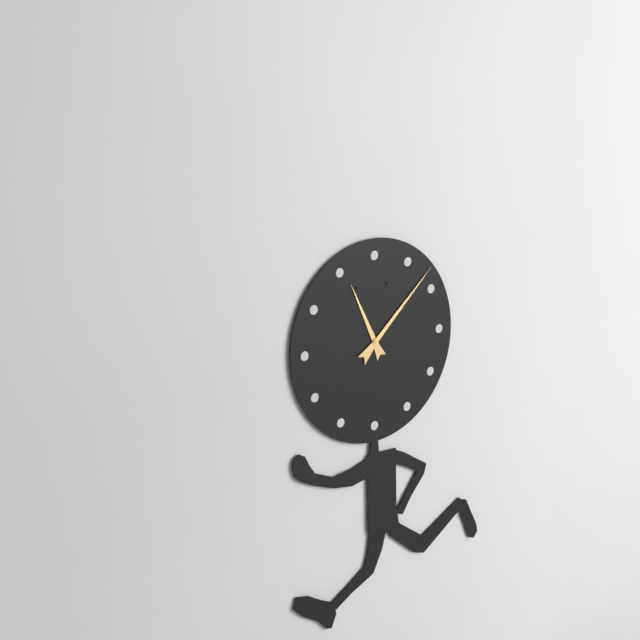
11:08
